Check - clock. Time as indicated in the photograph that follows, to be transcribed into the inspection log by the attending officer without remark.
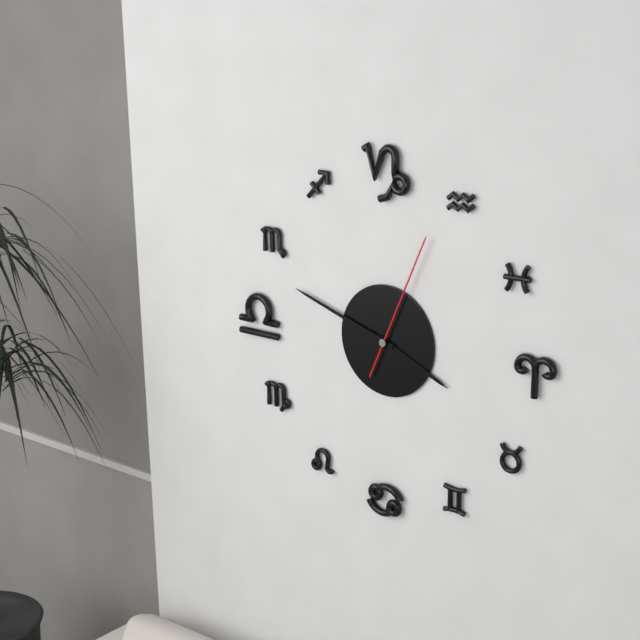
3:48:04
